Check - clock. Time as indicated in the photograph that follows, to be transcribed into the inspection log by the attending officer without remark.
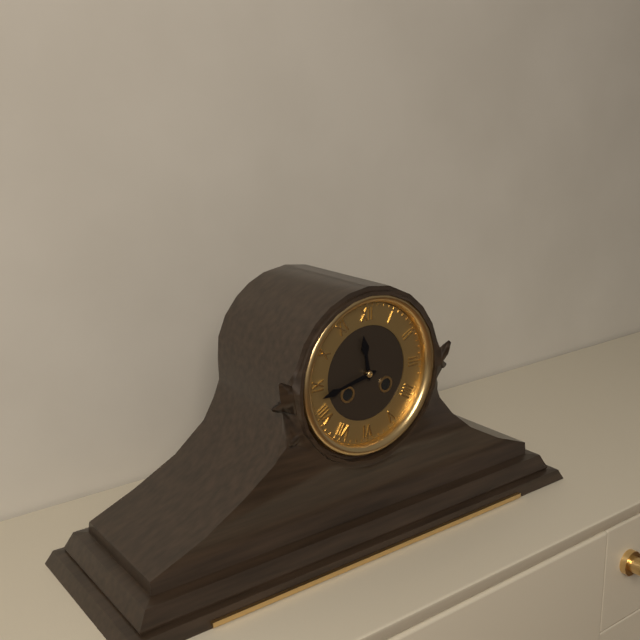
11:43
